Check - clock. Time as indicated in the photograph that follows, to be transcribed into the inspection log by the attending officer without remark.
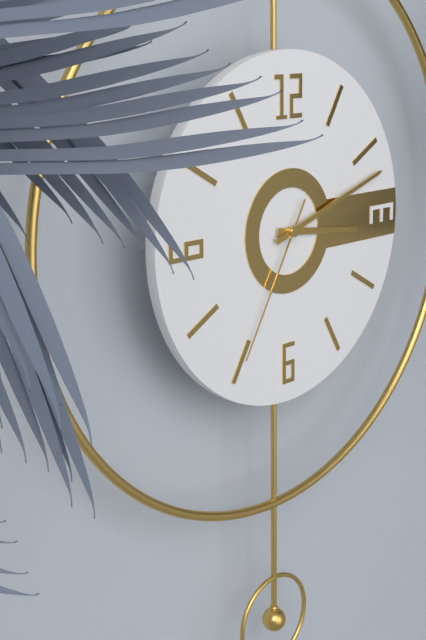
3:12:35
